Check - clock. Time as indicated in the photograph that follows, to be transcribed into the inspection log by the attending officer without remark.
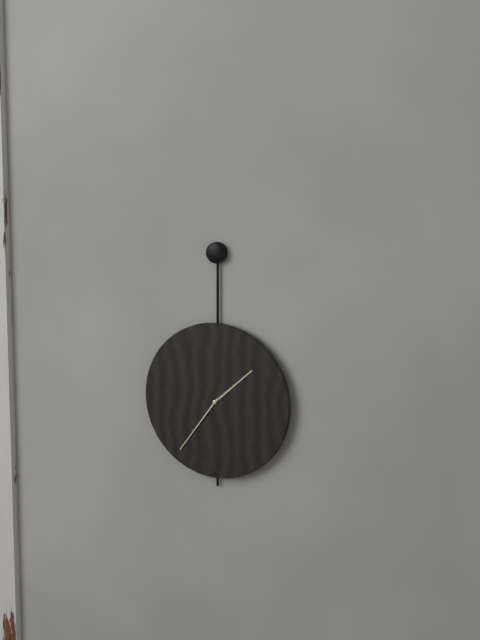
1:36
